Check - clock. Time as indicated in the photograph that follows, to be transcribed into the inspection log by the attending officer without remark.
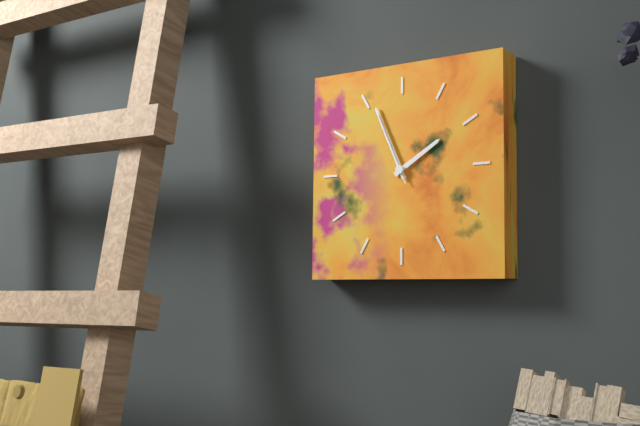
1:56:56
